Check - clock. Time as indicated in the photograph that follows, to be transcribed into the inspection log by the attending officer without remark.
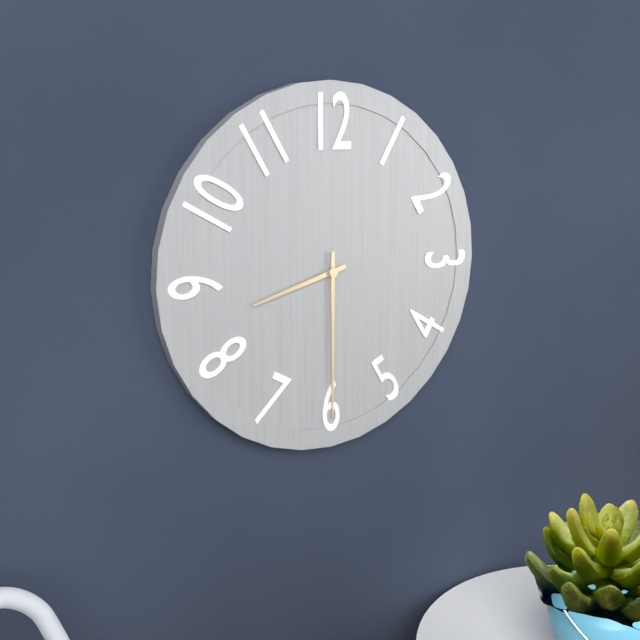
8:30
